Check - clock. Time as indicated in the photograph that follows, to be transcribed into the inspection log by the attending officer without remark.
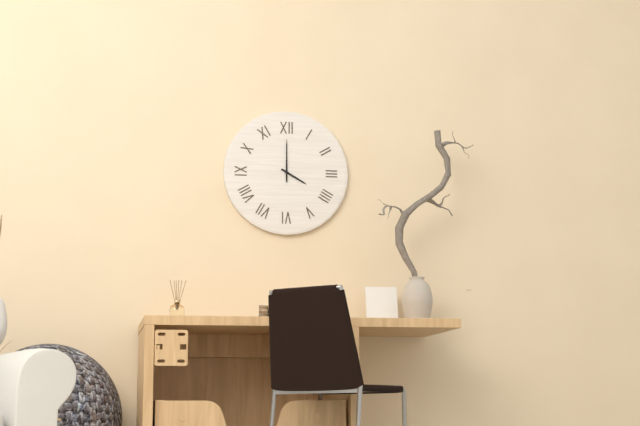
4:00
